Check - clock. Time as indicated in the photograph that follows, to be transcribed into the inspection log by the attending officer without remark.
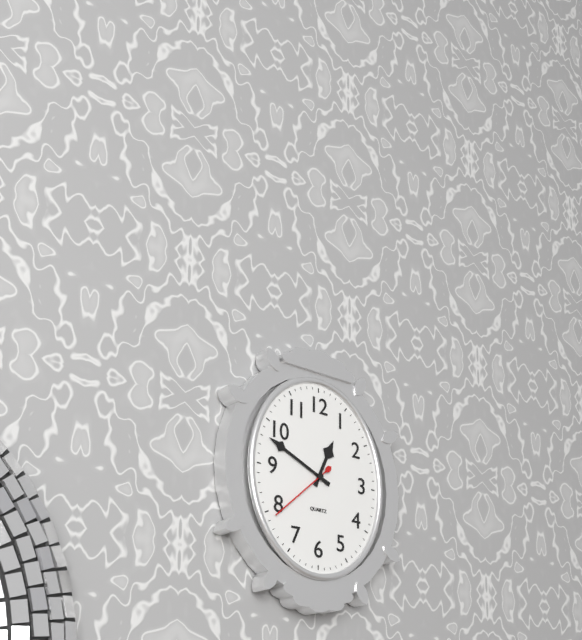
12:49:38
